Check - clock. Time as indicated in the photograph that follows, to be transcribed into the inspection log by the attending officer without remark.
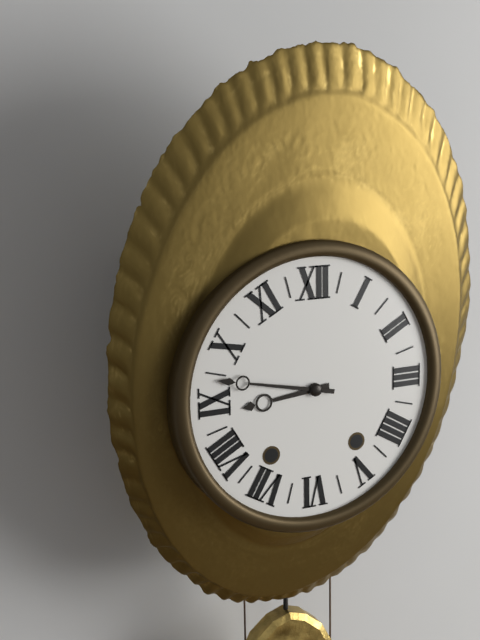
8:47
